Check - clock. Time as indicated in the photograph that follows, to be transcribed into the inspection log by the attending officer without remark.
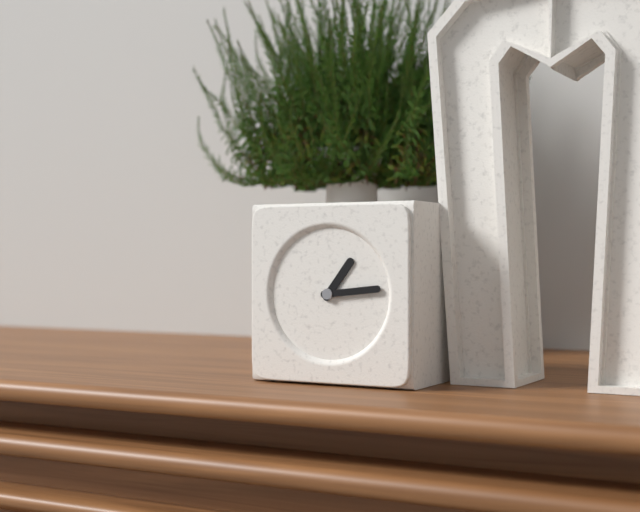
1:14
